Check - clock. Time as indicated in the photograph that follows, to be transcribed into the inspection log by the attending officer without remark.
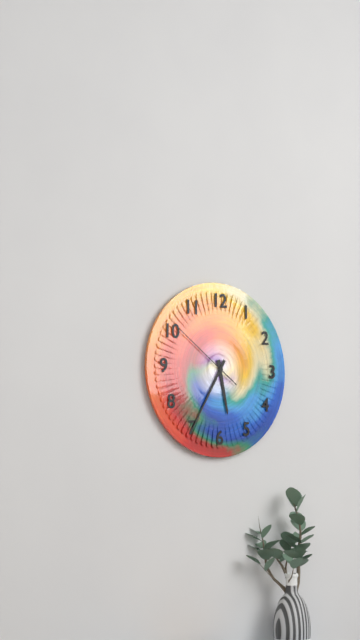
5:35:51
